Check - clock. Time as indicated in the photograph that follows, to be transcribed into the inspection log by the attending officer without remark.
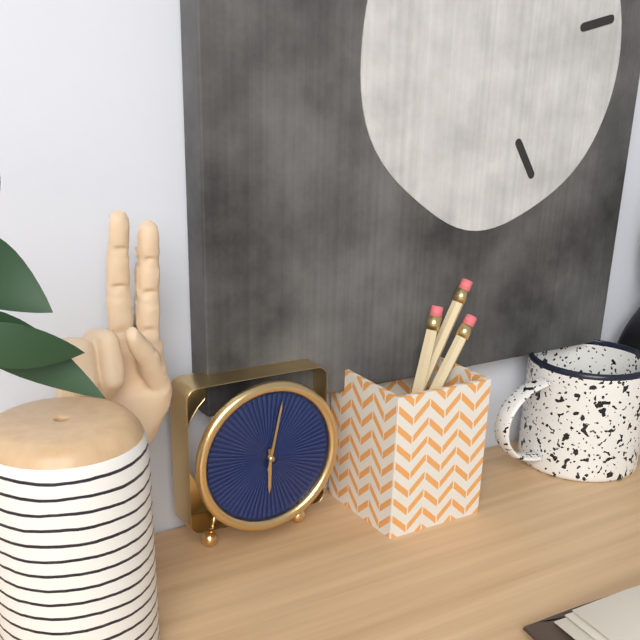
6:02
